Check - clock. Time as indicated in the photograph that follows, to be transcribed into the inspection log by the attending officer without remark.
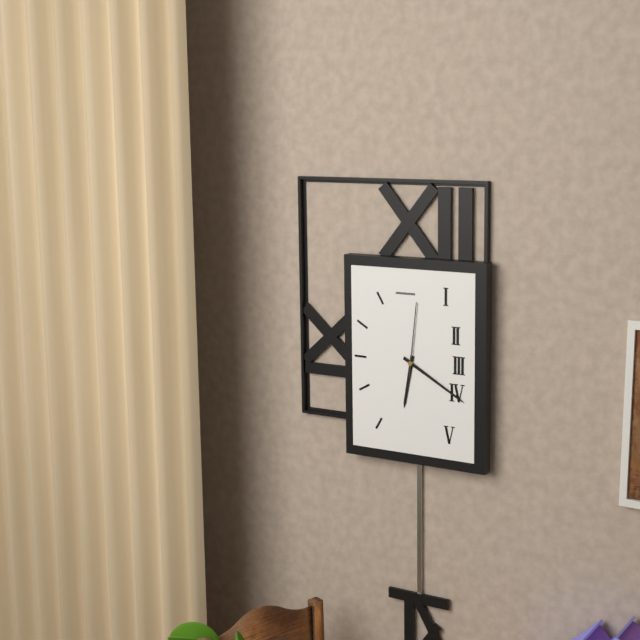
6:20:01
